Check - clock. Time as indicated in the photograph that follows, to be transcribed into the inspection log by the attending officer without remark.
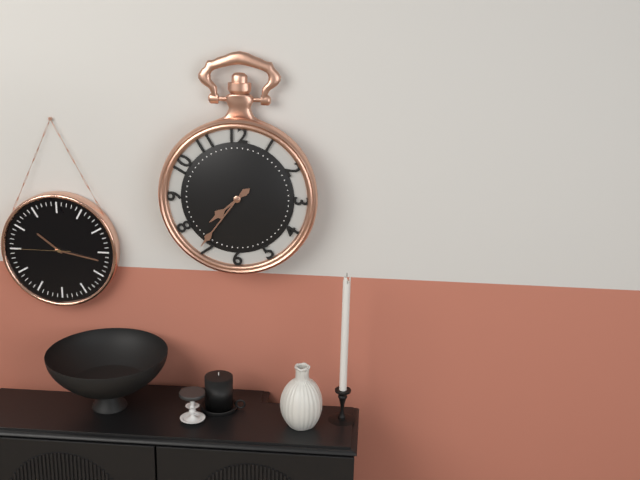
7:36
